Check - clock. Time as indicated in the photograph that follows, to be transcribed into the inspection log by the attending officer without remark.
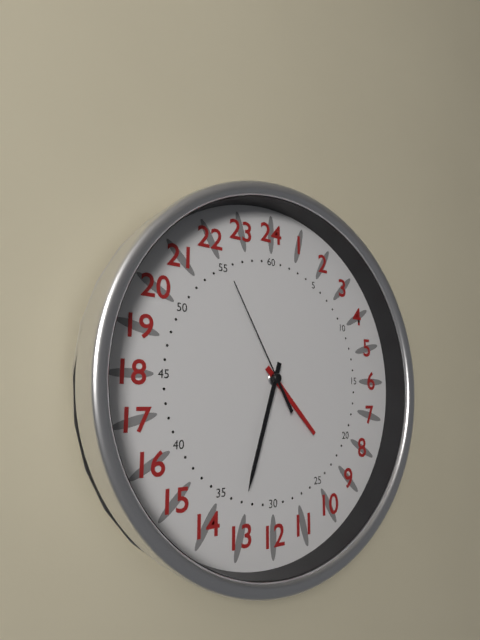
4:33:55
